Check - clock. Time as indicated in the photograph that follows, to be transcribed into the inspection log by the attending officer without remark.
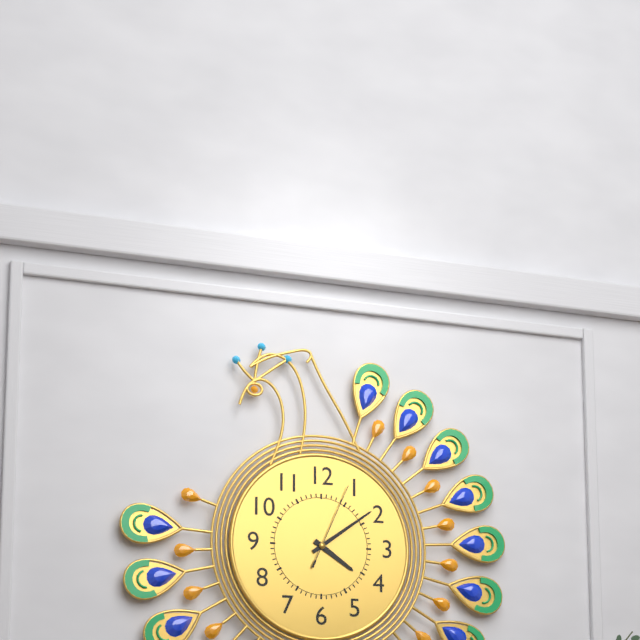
4:09:04
